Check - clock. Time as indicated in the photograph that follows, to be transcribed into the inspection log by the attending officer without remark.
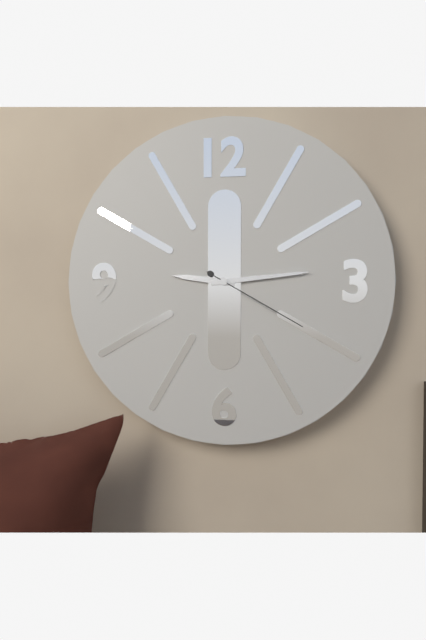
9:14:20
